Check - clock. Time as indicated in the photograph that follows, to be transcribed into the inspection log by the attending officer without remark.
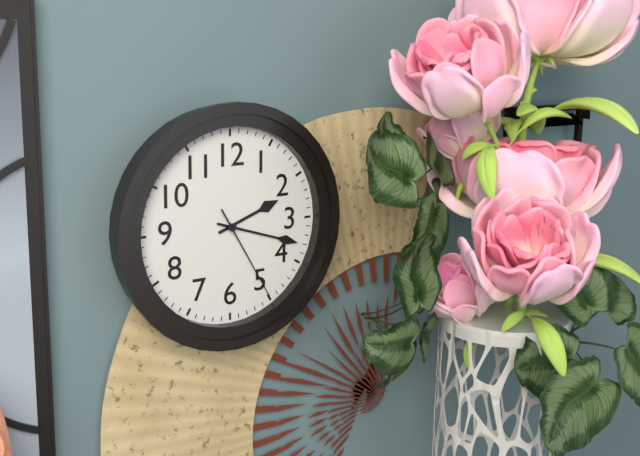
2:18:25
